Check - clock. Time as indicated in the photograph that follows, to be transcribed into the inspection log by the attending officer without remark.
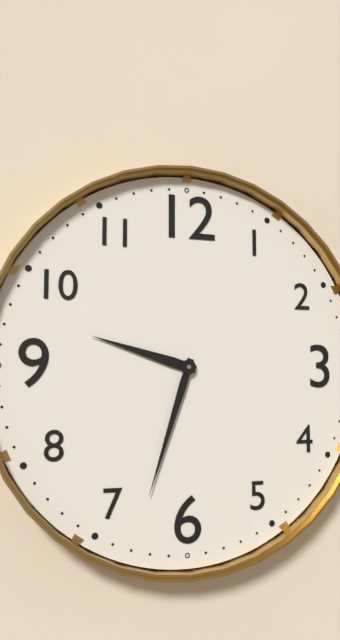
9:33
